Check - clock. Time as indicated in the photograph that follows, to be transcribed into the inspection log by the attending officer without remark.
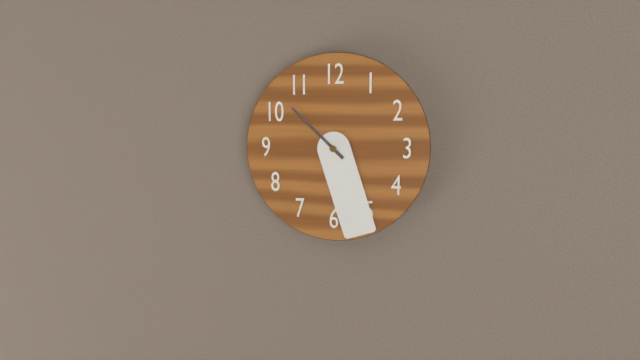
10:27
